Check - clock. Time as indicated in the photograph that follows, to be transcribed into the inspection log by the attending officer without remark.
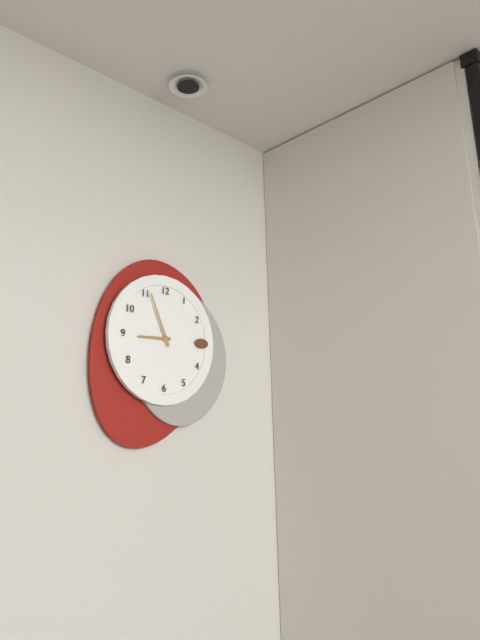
8:56
